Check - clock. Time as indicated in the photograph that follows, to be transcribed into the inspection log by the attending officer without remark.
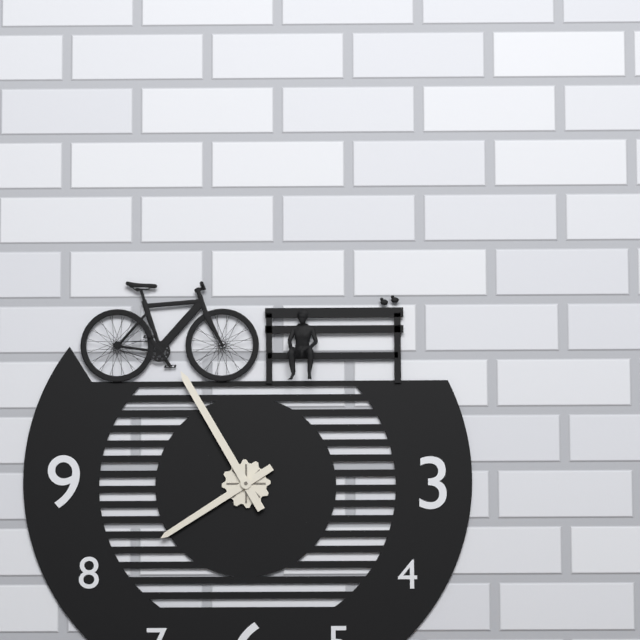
7:55
